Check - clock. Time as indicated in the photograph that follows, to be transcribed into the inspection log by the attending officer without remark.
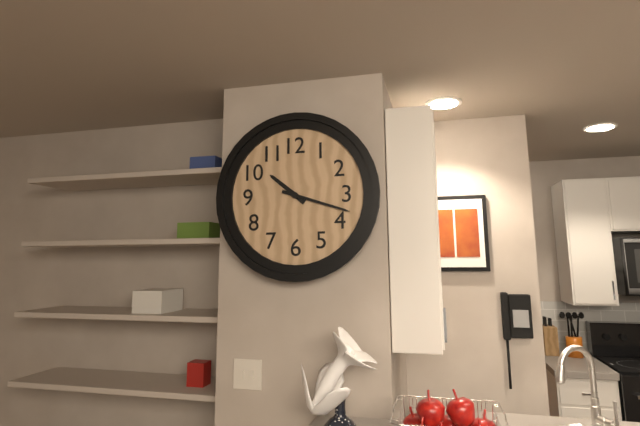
10:18
